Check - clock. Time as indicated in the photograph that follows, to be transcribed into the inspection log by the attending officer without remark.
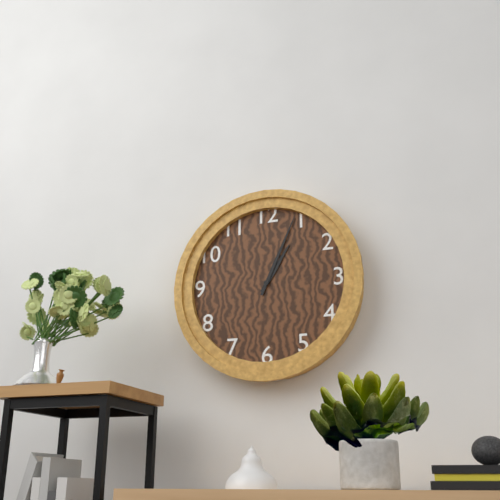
1:04
